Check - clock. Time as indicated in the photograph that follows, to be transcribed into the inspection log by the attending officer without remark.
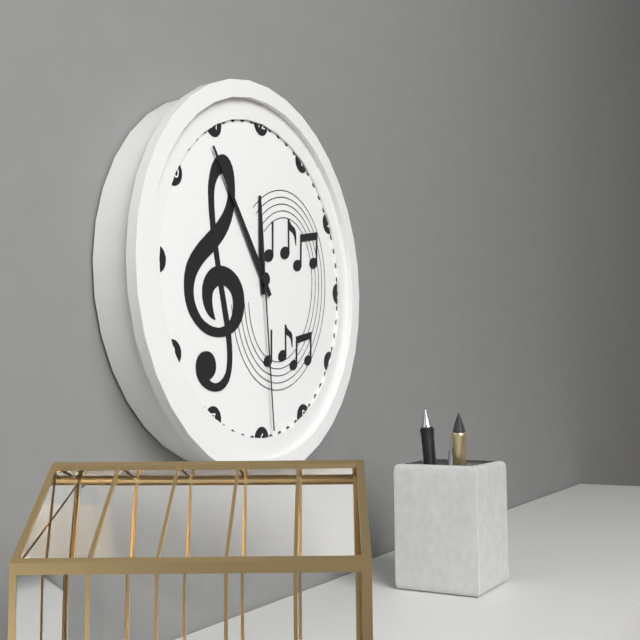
11:54:29
